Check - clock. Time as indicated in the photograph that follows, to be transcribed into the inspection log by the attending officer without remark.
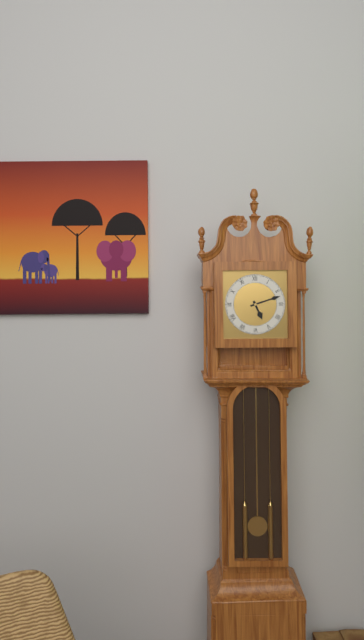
5:12
